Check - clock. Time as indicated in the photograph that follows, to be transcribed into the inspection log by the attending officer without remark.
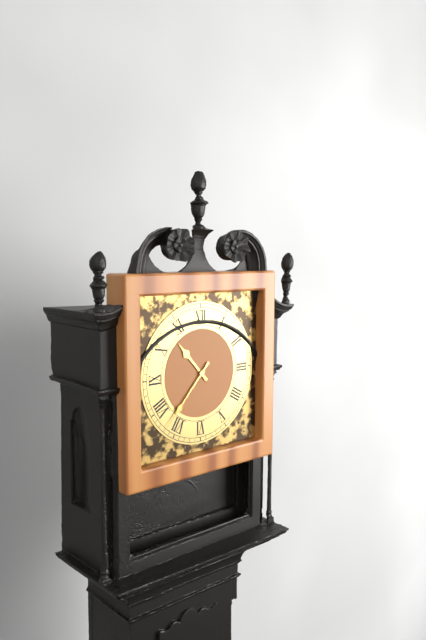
10:37
